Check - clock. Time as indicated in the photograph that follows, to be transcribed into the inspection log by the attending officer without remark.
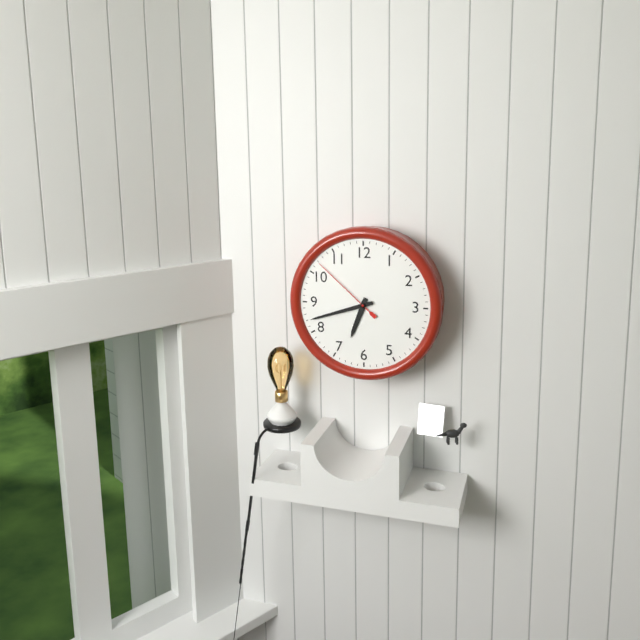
6:42:52
